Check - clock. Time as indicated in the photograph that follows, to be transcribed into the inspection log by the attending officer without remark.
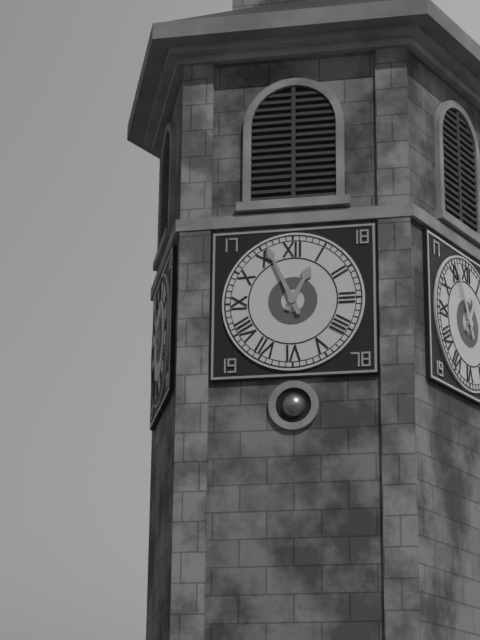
12:56
